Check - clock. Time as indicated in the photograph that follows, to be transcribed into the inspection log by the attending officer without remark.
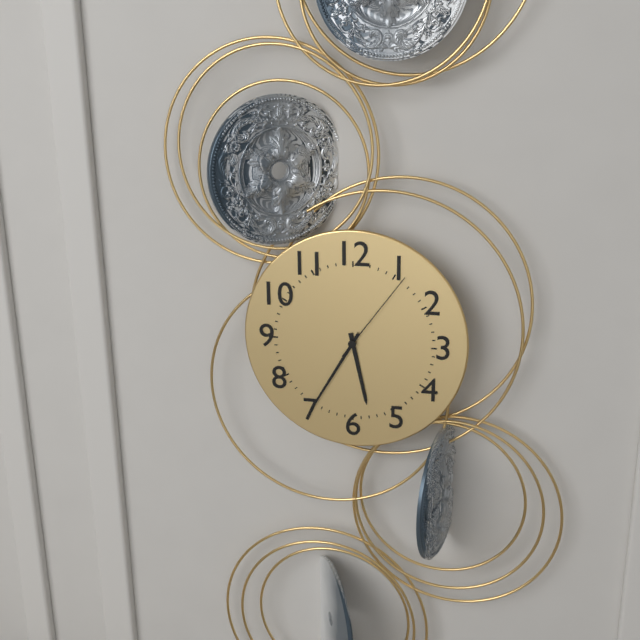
5:35:06
